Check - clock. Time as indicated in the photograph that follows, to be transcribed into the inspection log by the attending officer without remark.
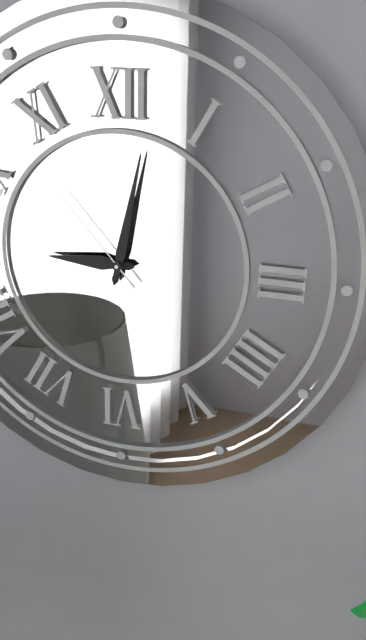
9:02:53
